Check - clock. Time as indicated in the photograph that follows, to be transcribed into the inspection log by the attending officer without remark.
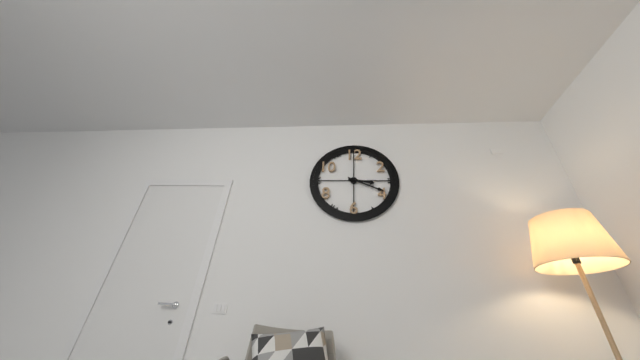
3:19
